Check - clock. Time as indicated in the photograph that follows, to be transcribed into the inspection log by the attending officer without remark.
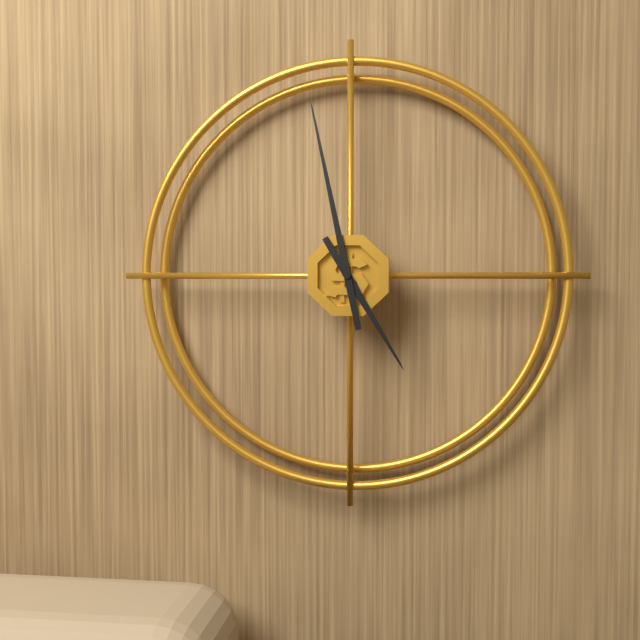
4:58
